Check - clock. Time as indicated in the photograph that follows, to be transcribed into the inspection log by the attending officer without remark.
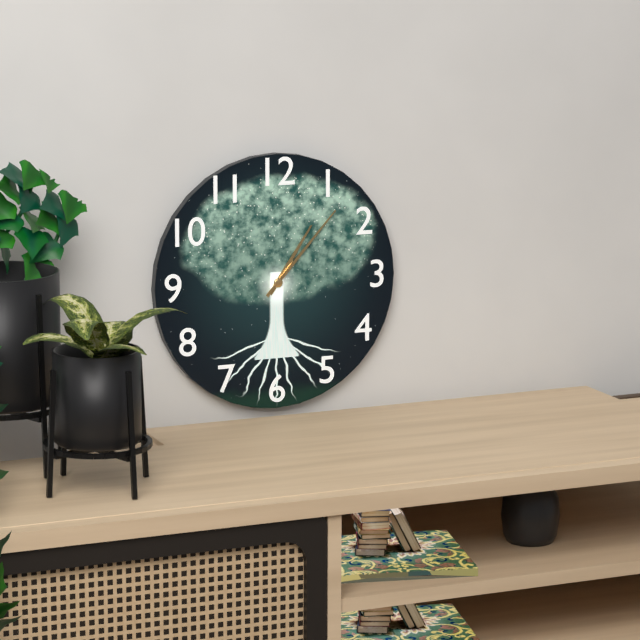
1:07
